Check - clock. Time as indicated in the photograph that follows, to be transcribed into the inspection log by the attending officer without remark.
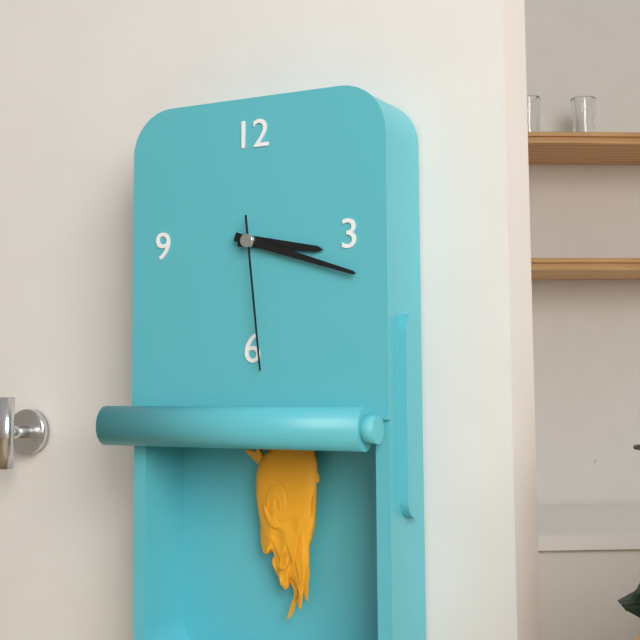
3:18:29
